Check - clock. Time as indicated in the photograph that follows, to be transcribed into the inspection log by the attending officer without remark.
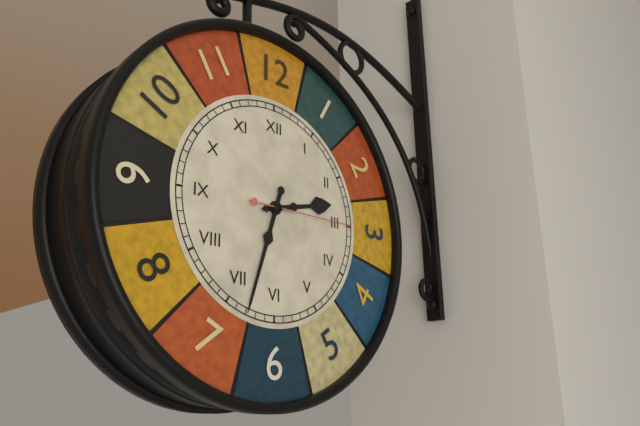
2:33:15
